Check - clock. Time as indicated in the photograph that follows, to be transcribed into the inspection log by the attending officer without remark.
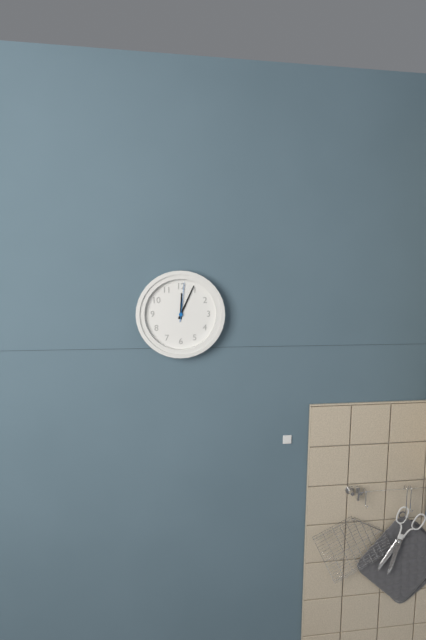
12:04
